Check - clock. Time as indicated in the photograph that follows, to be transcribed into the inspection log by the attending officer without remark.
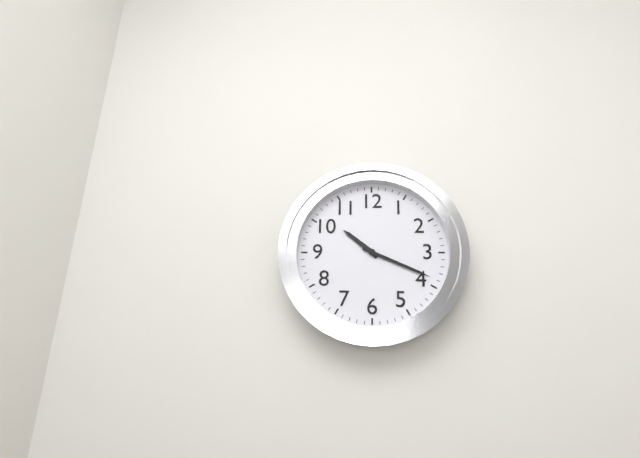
10:19
